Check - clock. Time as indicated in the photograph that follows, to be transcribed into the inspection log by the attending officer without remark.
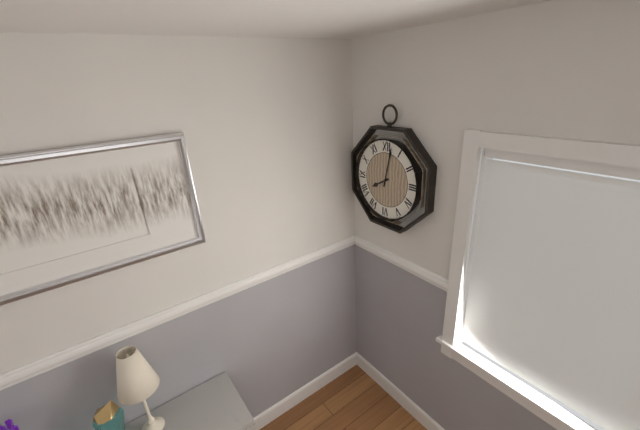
8:02
